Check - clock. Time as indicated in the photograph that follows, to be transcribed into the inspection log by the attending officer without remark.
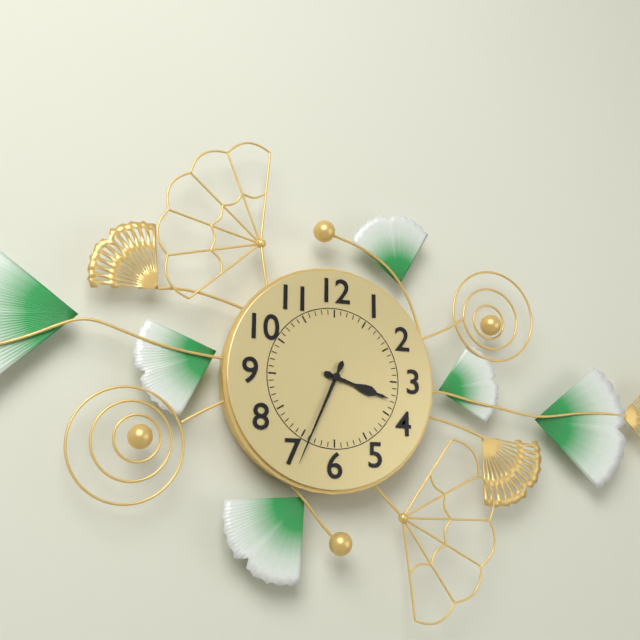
3:34
